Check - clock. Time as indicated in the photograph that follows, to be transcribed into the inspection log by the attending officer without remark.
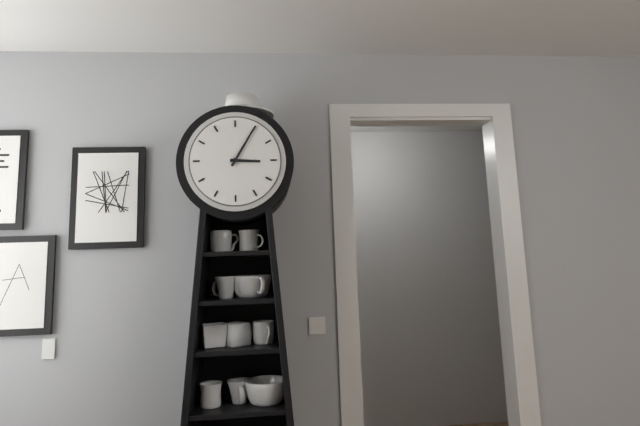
3:05
